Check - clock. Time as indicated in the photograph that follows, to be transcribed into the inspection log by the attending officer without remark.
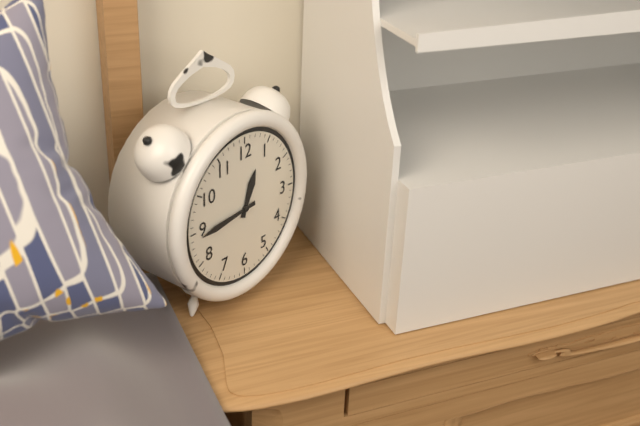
12:44
